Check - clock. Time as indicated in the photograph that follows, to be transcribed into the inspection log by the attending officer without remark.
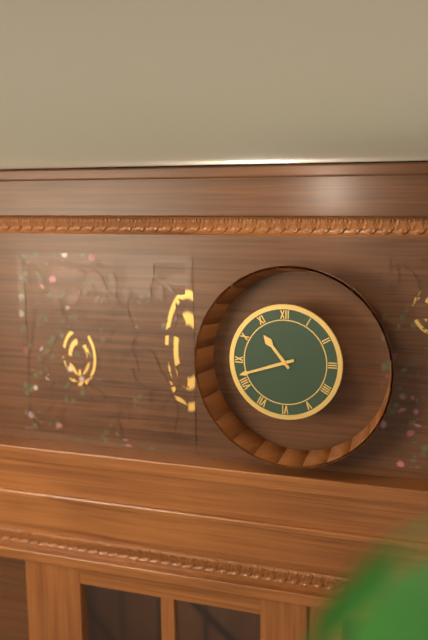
10:42
